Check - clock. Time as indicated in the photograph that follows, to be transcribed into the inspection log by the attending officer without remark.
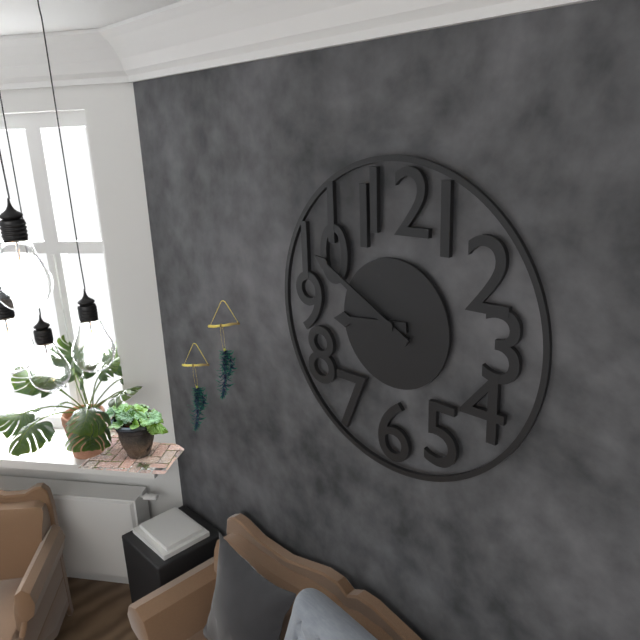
8:50
